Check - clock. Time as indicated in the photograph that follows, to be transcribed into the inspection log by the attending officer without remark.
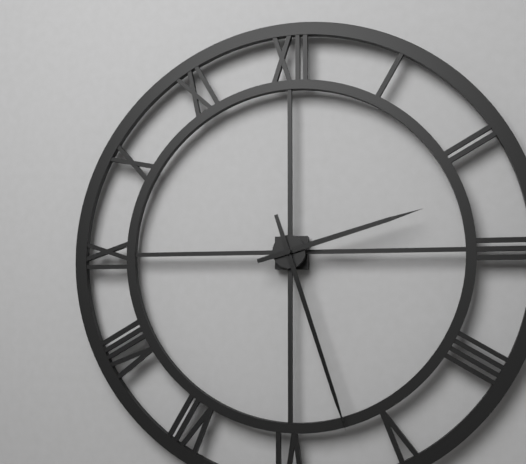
2:27
